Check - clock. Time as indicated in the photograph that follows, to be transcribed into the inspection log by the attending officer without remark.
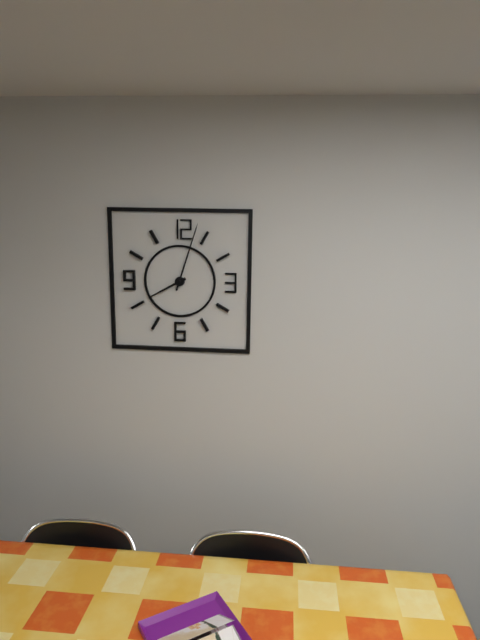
8:03
